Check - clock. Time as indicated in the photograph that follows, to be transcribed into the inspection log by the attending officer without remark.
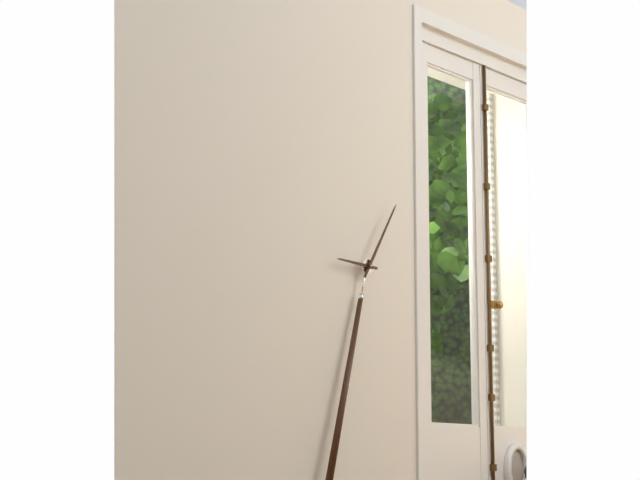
9:05
